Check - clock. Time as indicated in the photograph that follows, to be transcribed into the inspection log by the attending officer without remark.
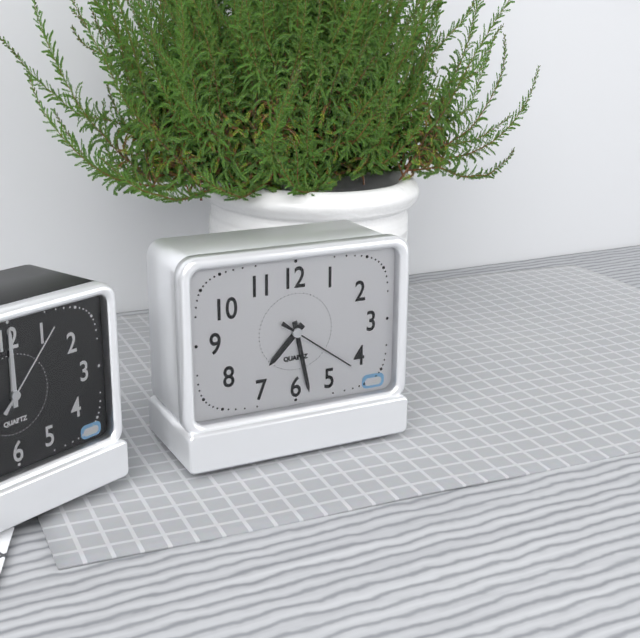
7:28:21
